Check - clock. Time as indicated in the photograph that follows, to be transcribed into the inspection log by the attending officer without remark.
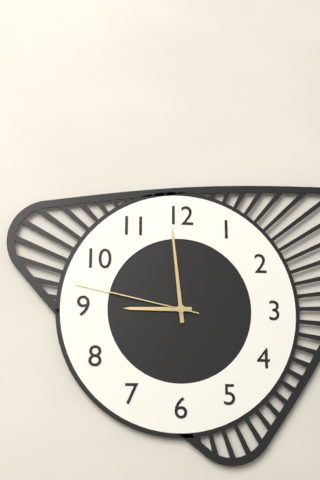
8:59:47
